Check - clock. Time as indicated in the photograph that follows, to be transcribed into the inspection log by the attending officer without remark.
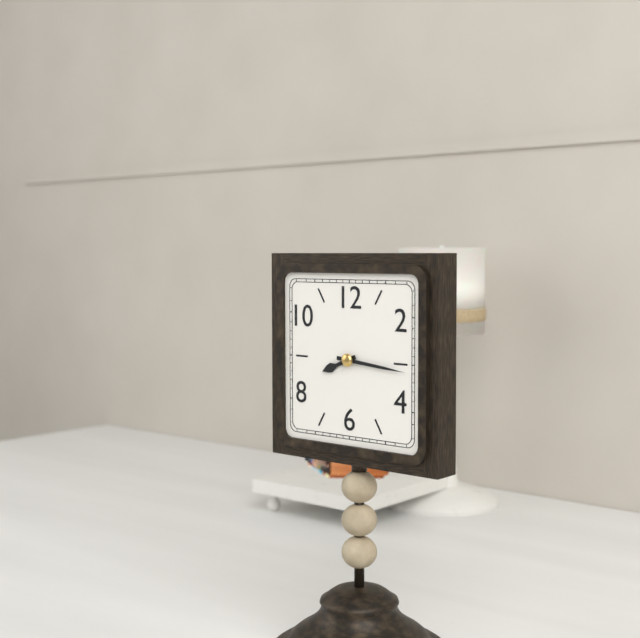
8:16
